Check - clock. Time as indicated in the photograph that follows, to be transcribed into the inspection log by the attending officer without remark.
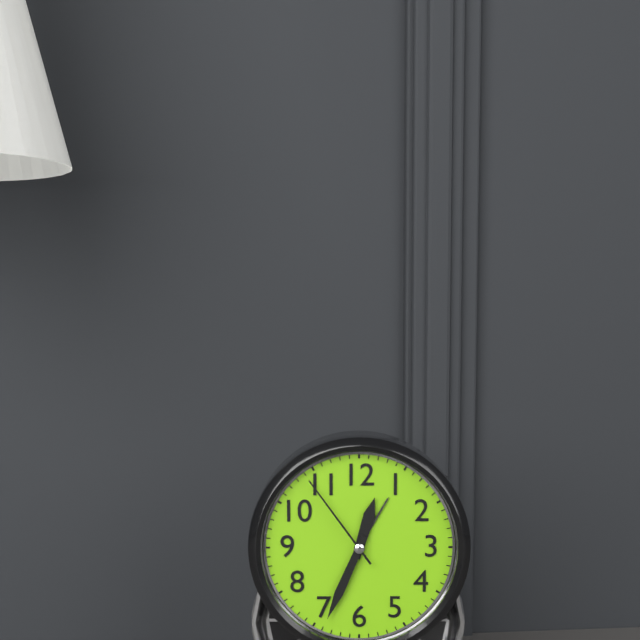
12:34:54
